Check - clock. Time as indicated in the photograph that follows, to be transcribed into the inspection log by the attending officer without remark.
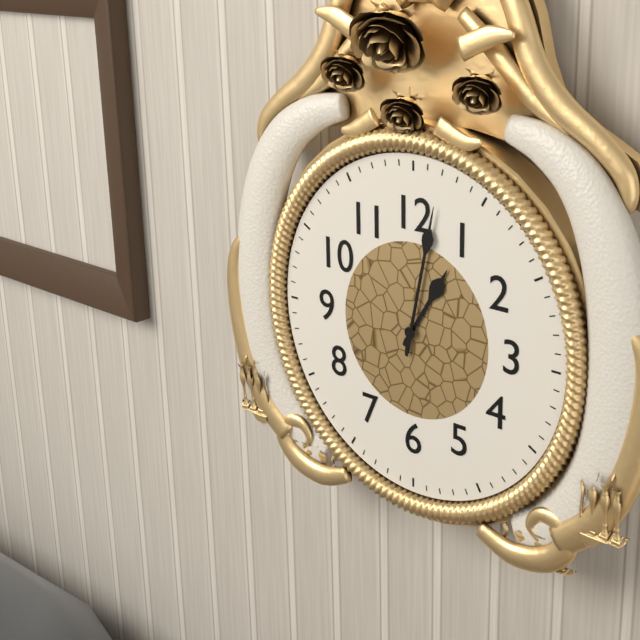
1:02
